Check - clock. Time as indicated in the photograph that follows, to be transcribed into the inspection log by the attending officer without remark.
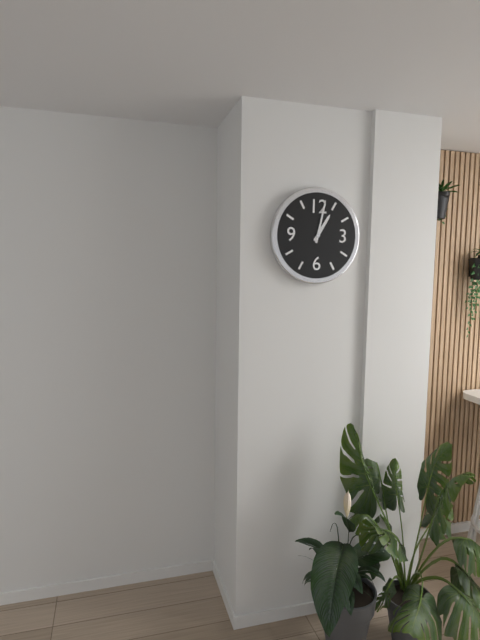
1:02
